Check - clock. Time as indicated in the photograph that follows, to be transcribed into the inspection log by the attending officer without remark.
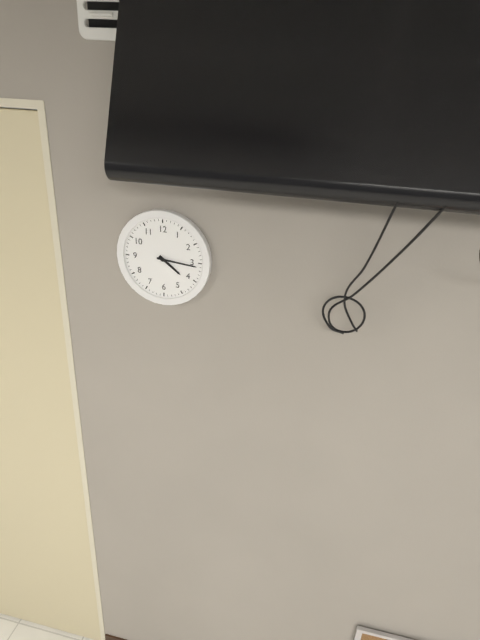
4:16
